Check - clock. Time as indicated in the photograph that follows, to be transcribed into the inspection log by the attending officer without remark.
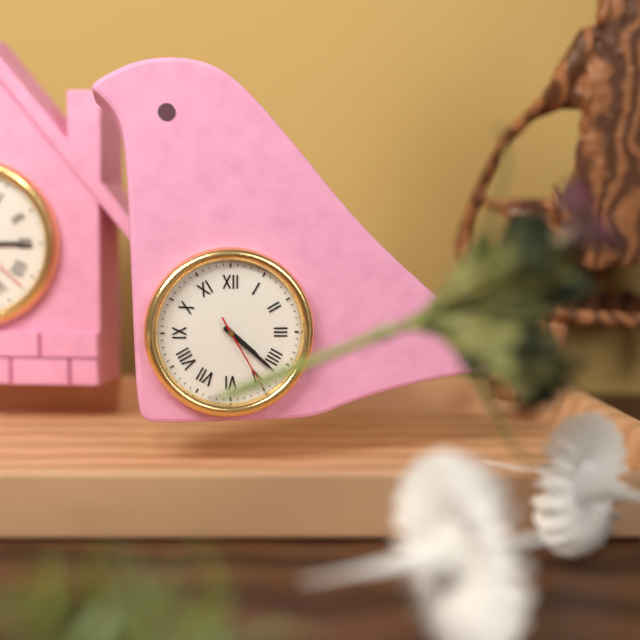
4:22:25
